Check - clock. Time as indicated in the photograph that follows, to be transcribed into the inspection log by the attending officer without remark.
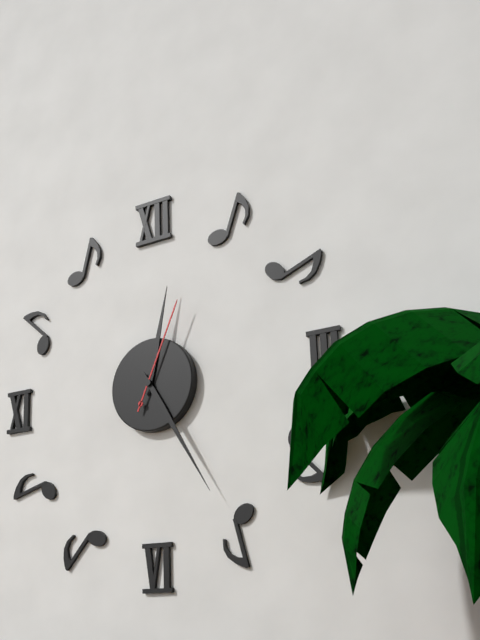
12:25:04
